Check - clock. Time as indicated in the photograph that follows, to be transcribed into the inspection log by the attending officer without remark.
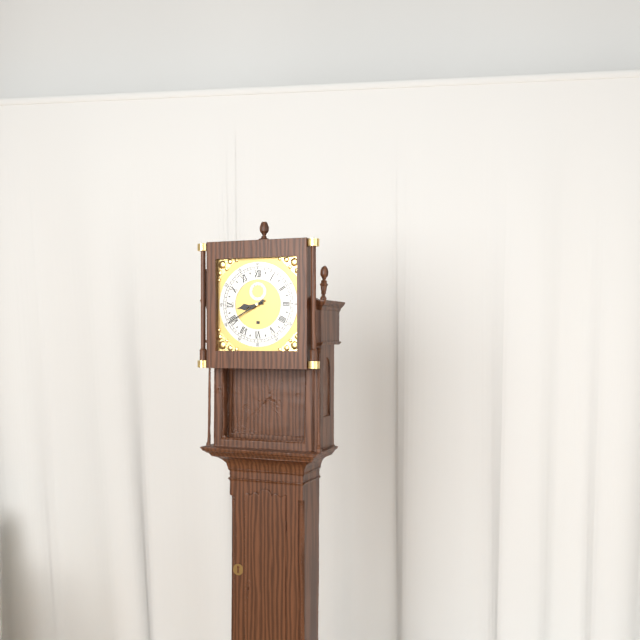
8:40
